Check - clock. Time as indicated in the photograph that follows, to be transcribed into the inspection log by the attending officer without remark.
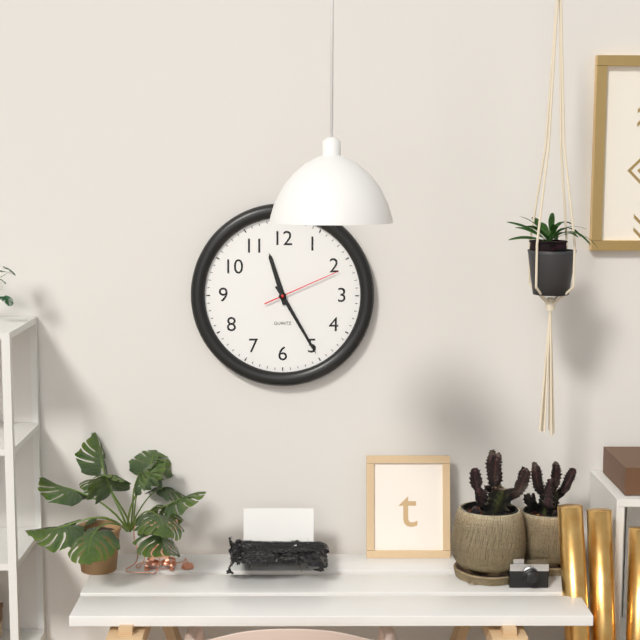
11:25:11
